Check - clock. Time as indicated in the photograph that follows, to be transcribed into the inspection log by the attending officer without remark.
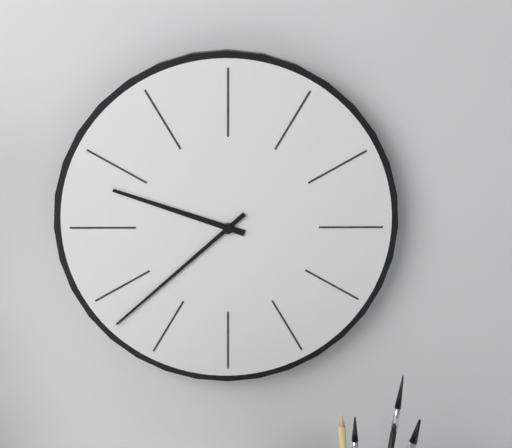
9:38
